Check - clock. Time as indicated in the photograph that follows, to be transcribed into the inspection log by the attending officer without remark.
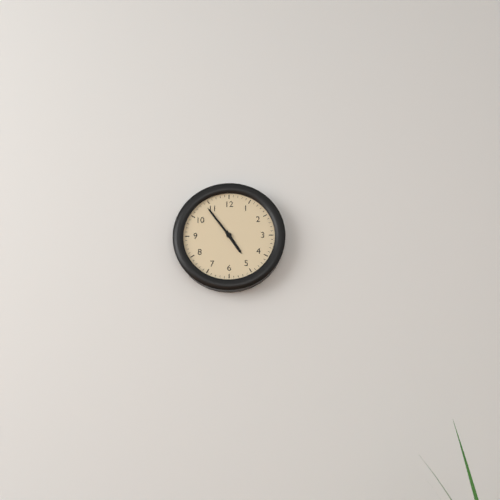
4:54
